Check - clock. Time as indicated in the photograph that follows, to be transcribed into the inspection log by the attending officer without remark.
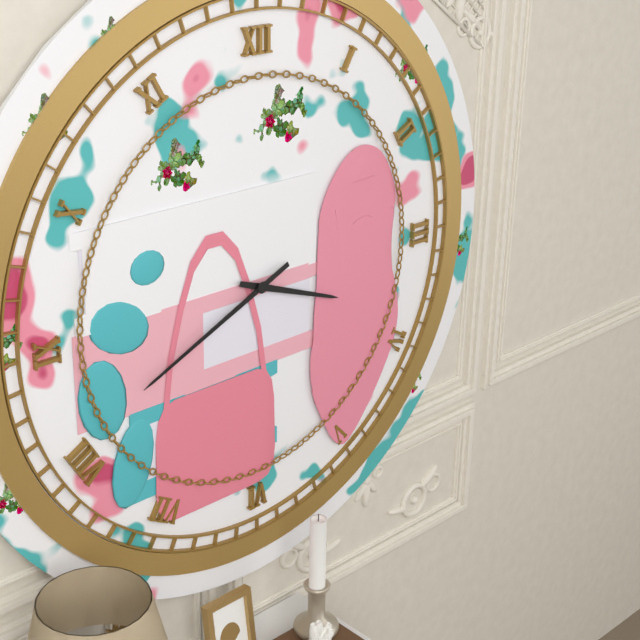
3:41
